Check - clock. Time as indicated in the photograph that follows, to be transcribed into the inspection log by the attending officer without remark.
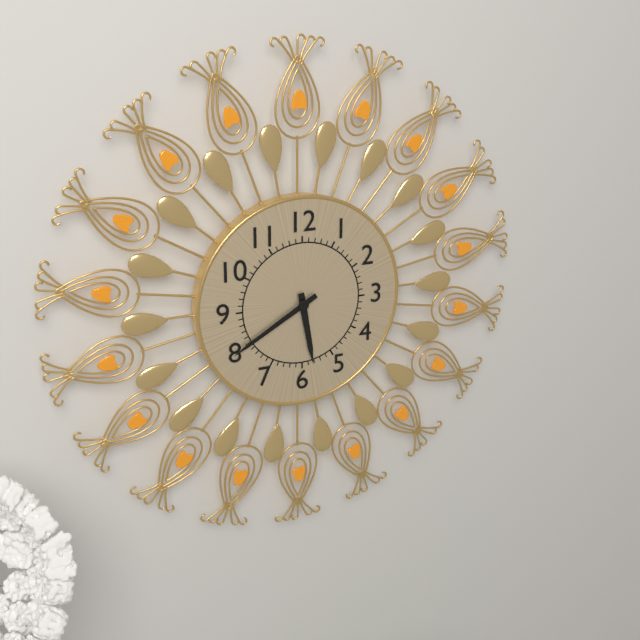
5:40
